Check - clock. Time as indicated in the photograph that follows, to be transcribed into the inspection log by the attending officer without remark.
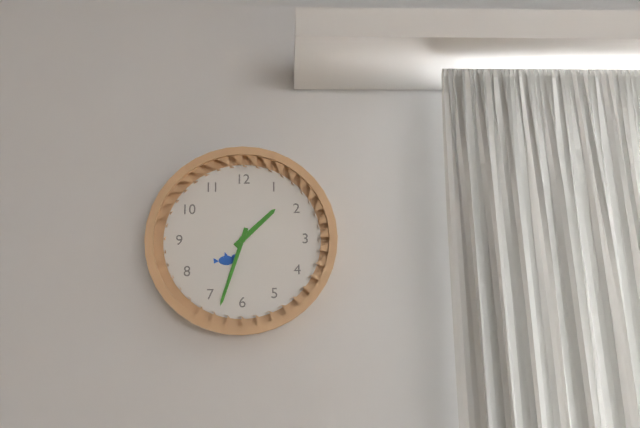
1:33
